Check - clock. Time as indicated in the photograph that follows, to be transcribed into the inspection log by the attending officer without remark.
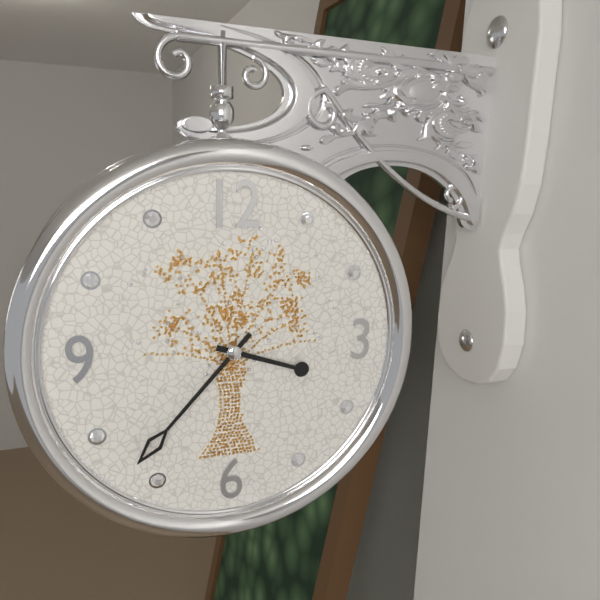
3:37
